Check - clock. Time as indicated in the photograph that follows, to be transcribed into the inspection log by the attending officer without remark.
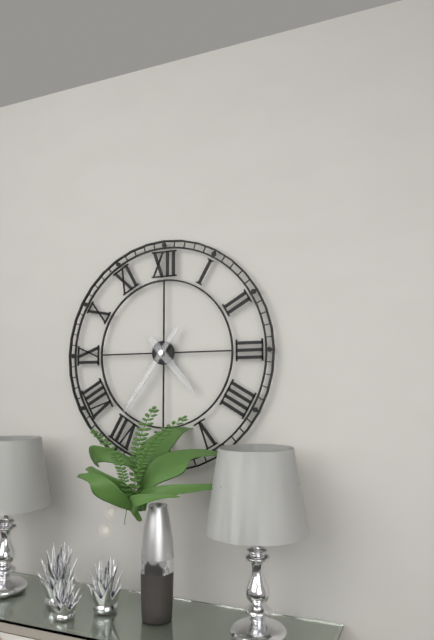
4:36
